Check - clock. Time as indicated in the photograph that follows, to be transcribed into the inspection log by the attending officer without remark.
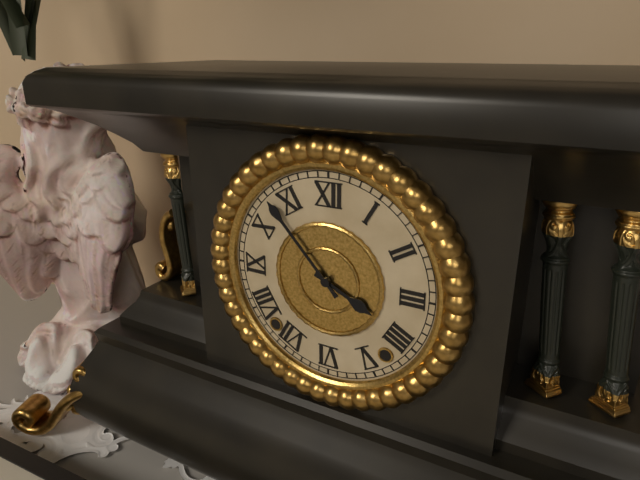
3:53
